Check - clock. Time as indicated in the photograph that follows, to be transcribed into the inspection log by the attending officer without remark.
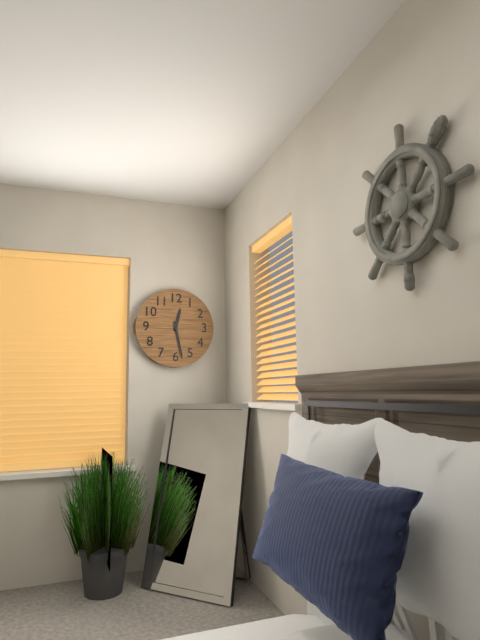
12:28
